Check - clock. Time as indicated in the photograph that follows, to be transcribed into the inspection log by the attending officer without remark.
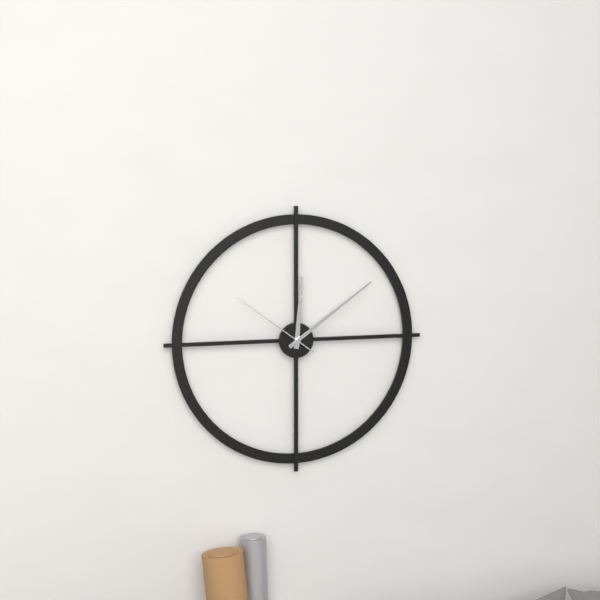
12:09:51
